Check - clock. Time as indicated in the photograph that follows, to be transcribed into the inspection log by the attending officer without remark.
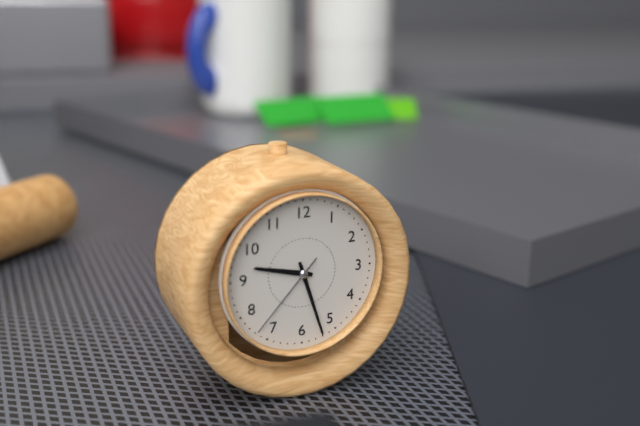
9:27:37
